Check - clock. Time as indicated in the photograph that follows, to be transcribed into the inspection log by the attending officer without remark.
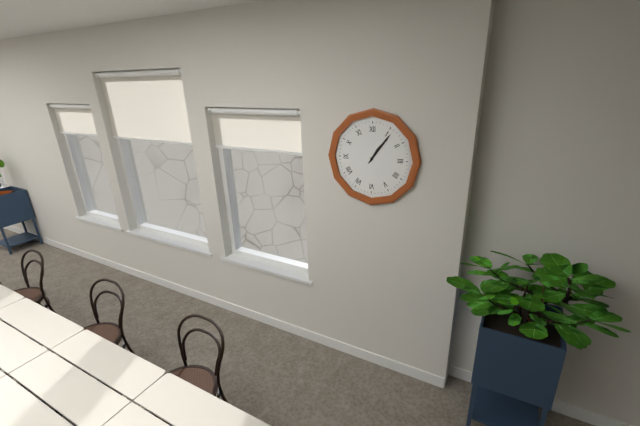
1:06
